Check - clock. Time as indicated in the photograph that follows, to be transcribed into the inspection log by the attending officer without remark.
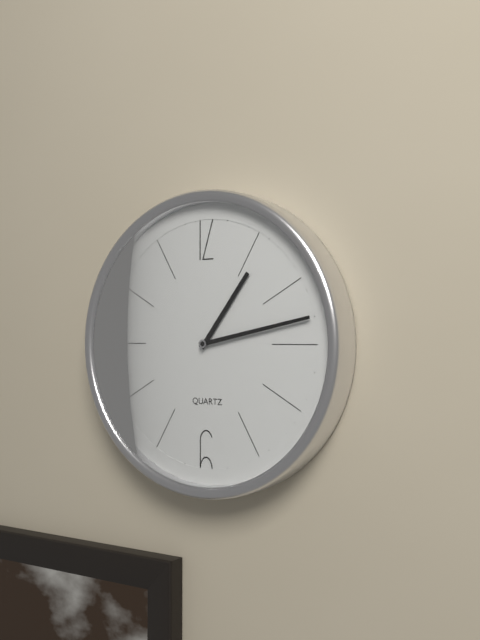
1:13
